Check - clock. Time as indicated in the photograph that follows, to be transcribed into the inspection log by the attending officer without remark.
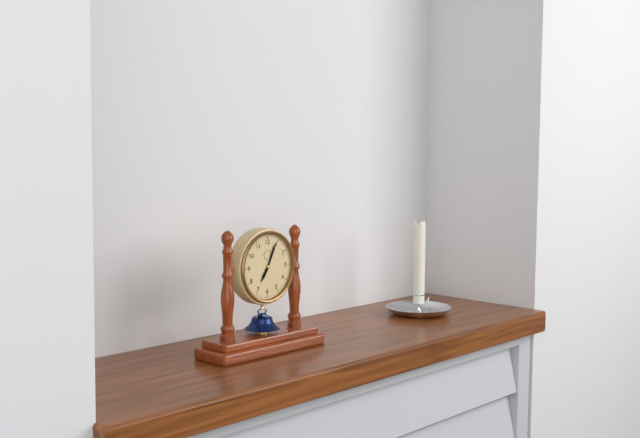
7:04
